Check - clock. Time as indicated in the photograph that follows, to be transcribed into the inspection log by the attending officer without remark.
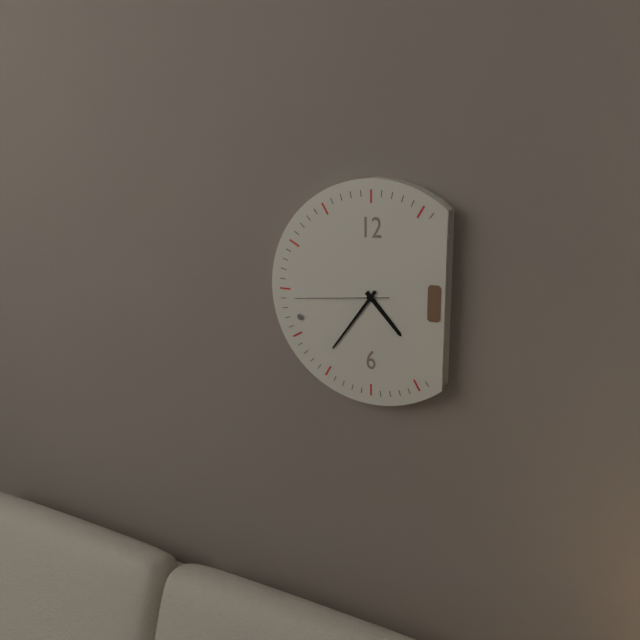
4:36:44
